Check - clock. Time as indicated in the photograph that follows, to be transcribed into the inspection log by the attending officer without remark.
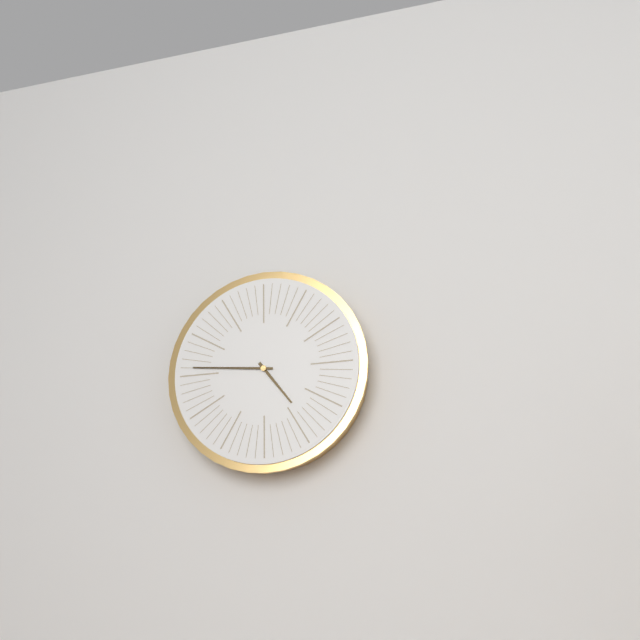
4:46
